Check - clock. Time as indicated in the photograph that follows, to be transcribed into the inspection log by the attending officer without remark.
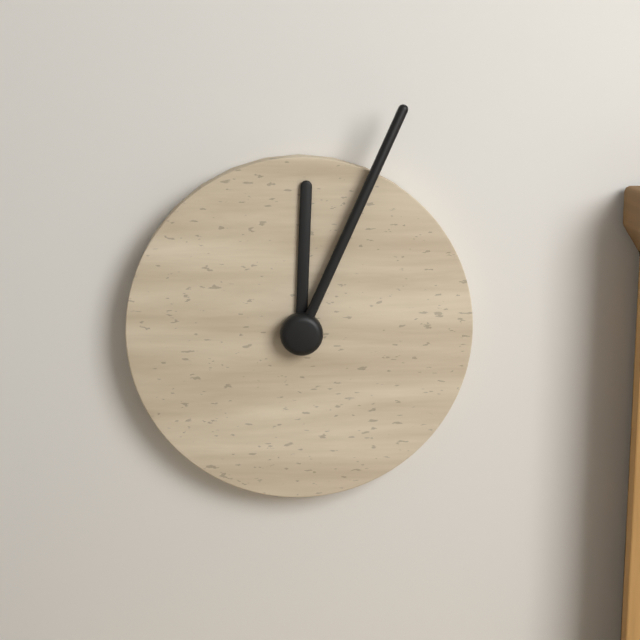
12:04
